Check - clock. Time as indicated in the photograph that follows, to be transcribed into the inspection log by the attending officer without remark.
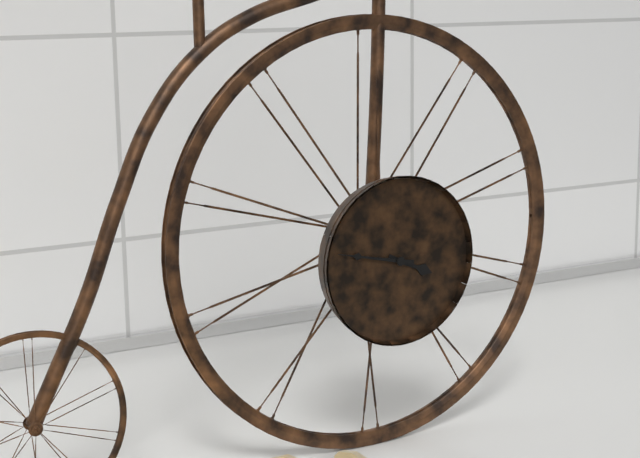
3:47
